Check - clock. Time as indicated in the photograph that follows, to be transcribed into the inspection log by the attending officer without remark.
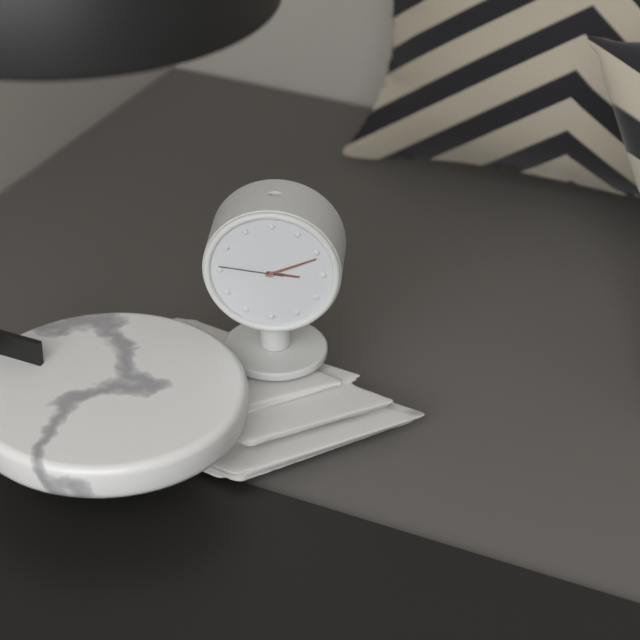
3:11:46
